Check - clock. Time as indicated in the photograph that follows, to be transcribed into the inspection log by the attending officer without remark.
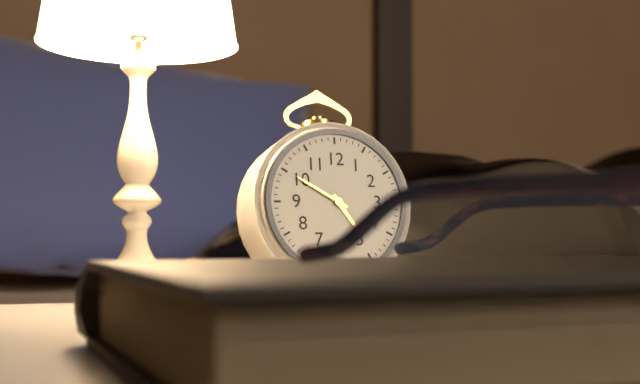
4:50
